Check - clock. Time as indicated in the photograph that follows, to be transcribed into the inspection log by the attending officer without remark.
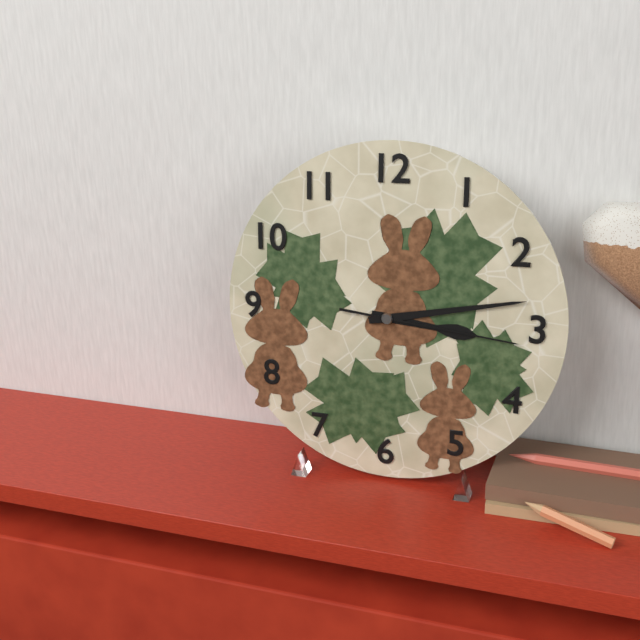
3:13:16
